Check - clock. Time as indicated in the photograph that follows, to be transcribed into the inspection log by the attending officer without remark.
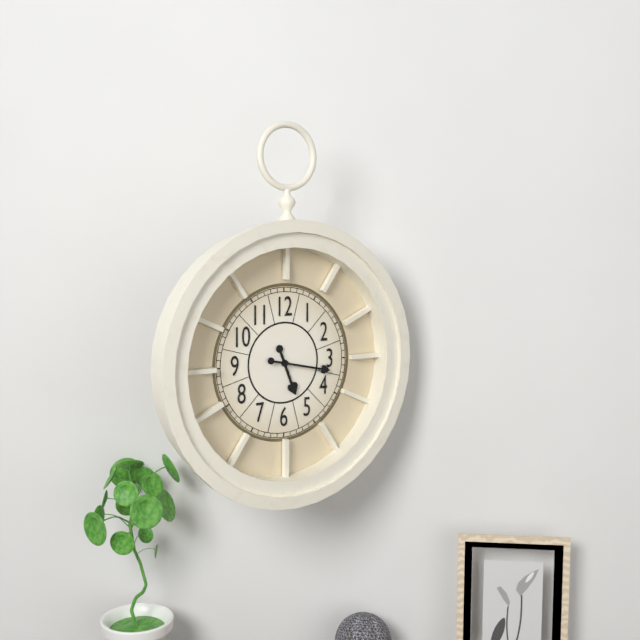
5:17
